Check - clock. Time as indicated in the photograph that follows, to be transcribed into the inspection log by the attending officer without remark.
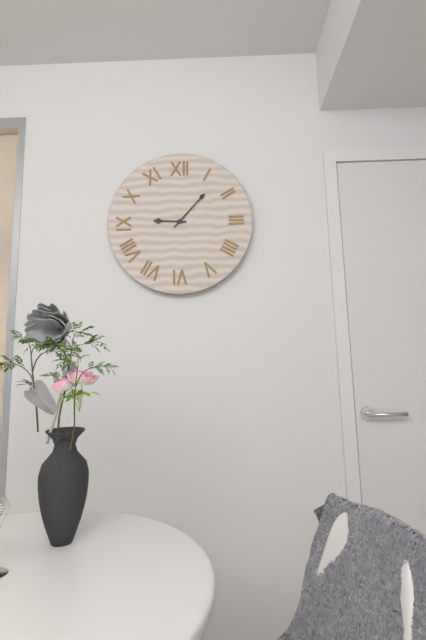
9:07
